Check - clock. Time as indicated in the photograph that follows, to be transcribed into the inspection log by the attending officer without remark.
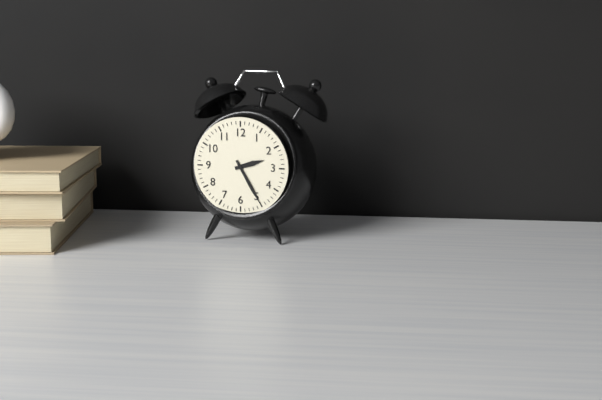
2:25
